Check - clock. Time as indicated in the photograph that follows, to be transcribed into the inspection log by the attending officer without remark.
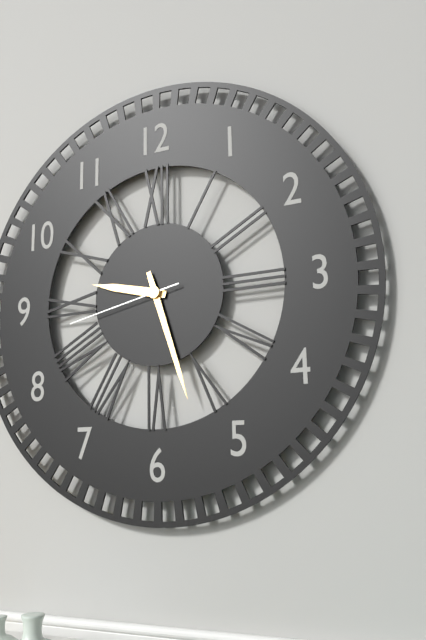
9:27:43
